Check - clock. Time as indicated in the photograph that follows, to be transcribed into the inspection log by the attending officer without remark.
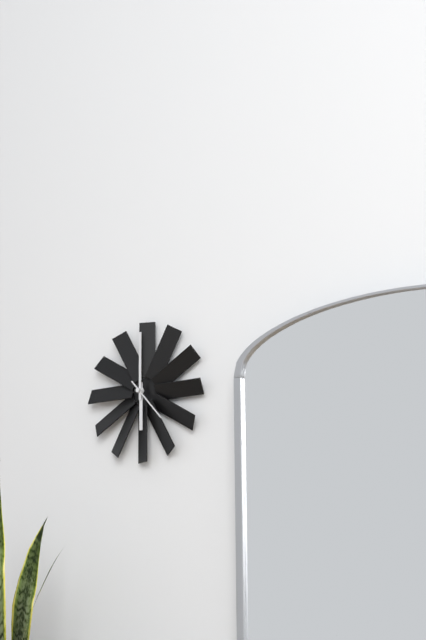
6:00
